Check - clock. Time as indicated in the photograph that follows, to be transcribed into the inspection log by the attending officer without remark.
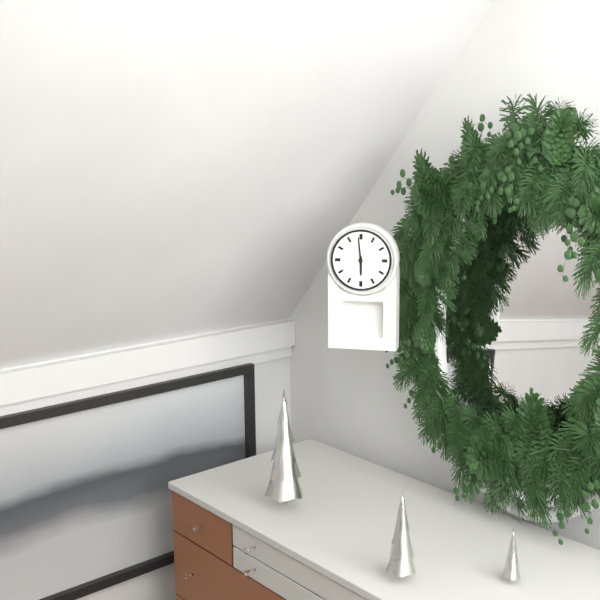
5:59
